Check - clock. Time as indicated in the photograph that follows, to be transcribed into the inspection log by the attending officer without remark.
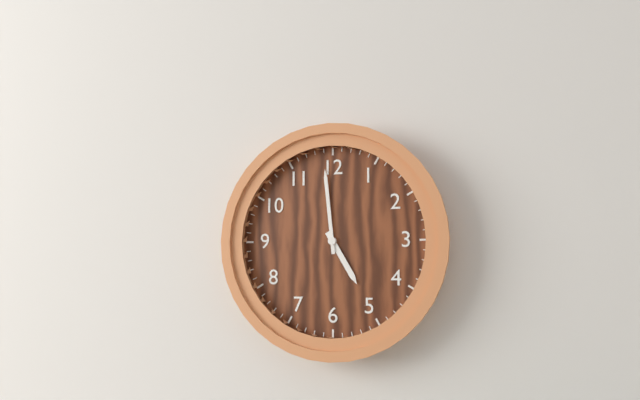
4:59
